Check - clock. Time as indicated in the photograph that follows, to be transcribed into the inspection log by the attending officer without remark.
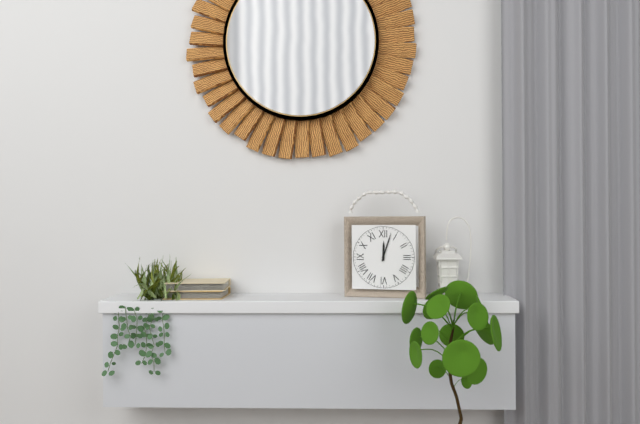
12:03
